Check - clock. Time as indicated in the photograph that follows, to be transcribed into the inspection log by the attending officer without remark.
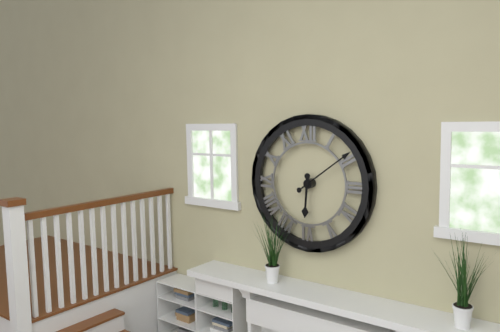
6:09
